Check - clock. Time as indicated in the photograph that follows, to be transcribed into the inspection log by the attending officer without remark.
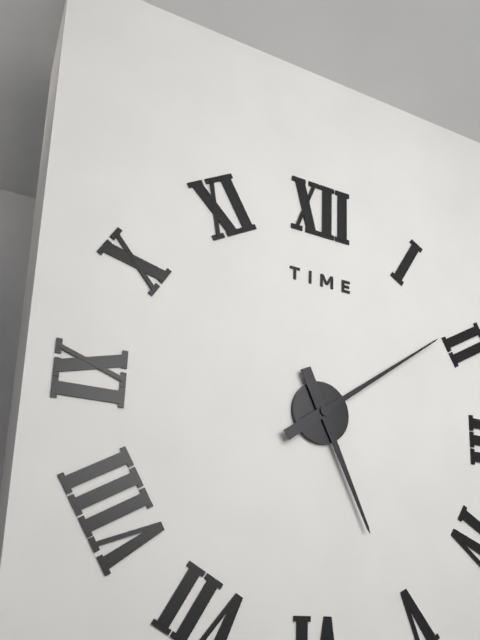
5:09
